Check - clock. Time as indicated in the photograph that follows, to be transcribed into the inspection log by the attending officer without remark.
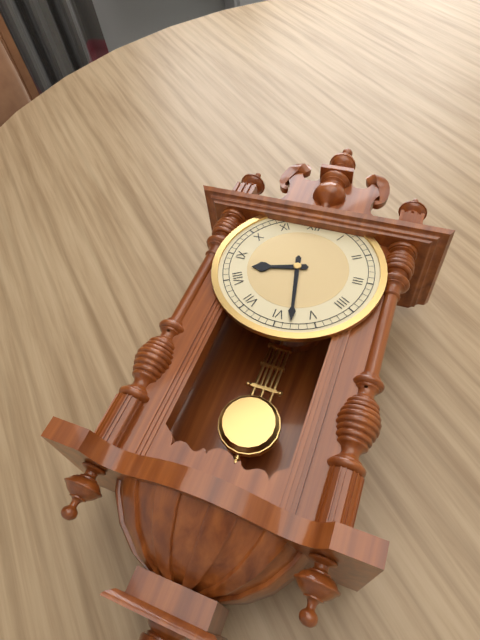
8:28
